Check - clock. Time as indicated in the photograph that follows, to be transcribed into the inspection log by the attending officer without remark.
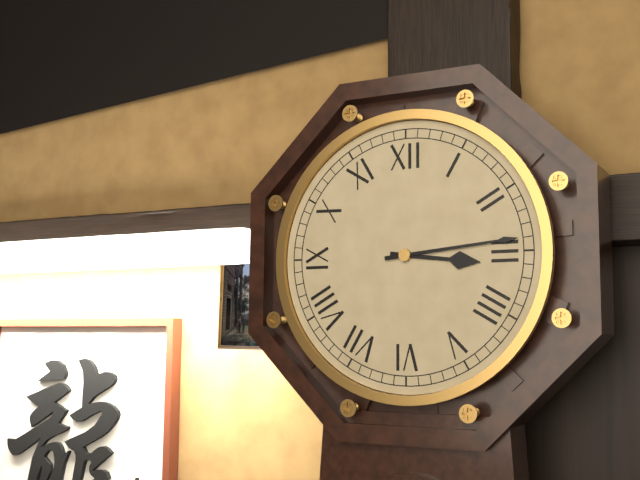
3:14
